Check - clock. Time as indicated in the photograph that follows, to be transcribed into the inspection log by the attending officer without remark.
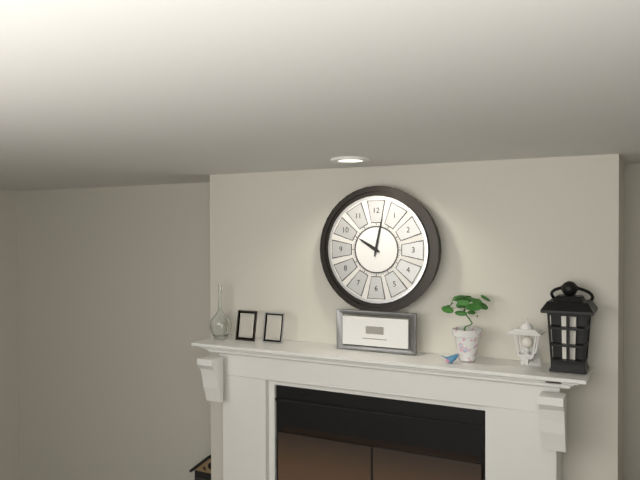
10:02
